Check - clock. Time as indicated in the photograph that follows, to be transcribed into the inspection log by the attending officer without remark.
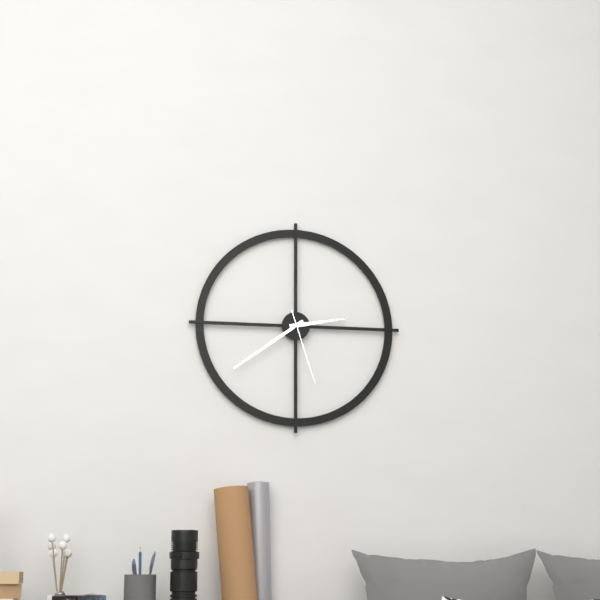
2:39:27
